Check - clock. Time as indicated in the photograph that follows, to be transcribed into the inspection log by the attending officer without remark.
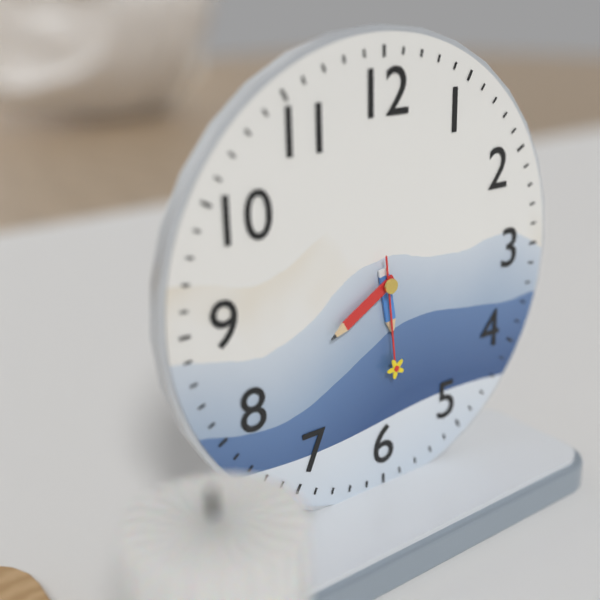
5:40:29
